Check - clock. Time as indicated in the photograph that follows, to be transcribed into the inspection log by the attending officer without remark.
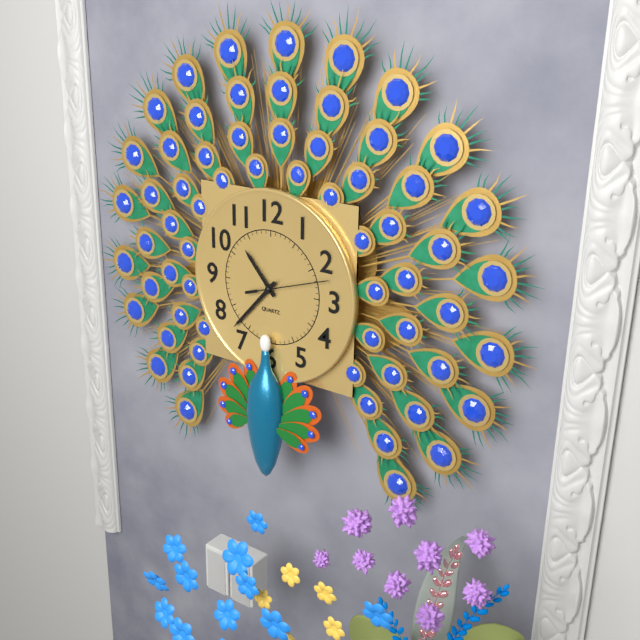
10:37:12
